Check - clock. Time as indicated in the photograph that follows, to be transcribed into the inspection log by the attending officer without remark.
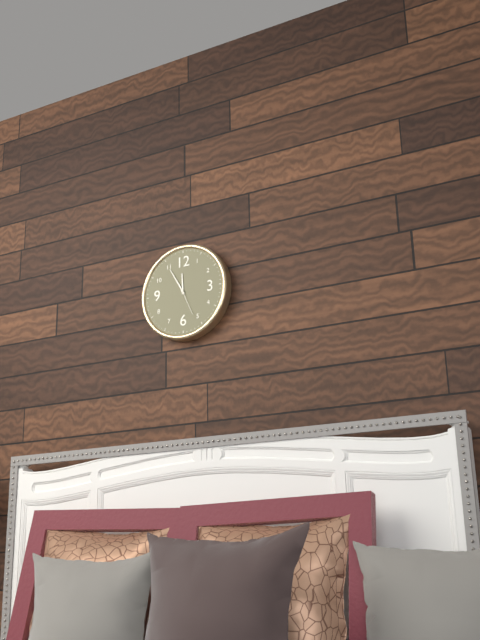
11:55
